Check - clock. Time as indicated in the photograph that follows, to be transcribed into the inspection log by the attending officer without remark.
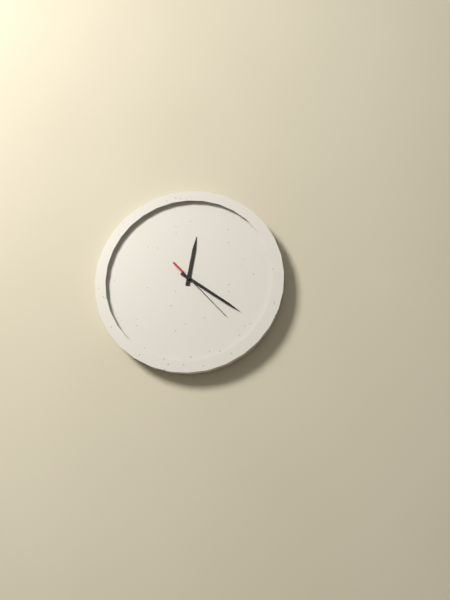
12:21:23
